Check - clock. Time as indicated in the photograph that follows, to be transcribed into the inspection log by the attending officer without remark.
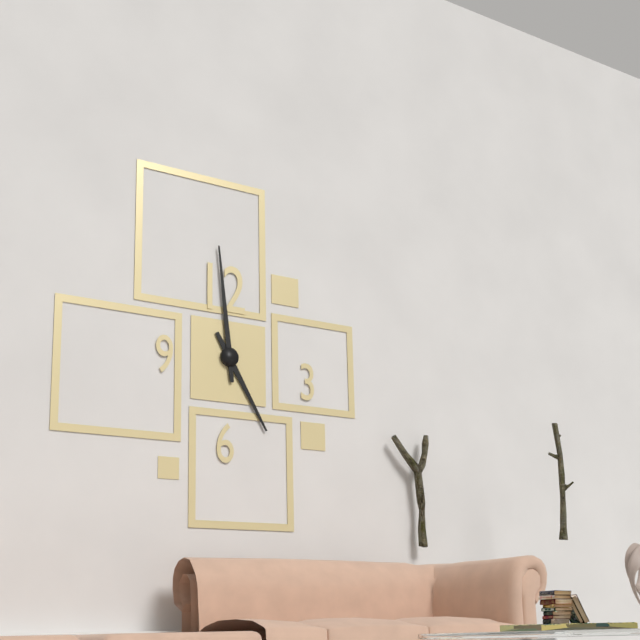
4:59
